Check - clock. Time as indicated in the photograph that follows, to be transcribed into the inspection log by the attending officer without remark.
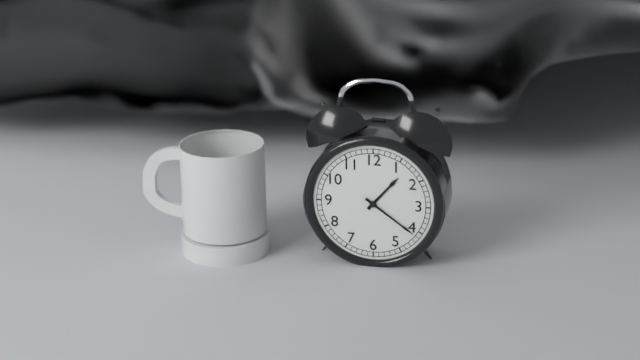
1:21
